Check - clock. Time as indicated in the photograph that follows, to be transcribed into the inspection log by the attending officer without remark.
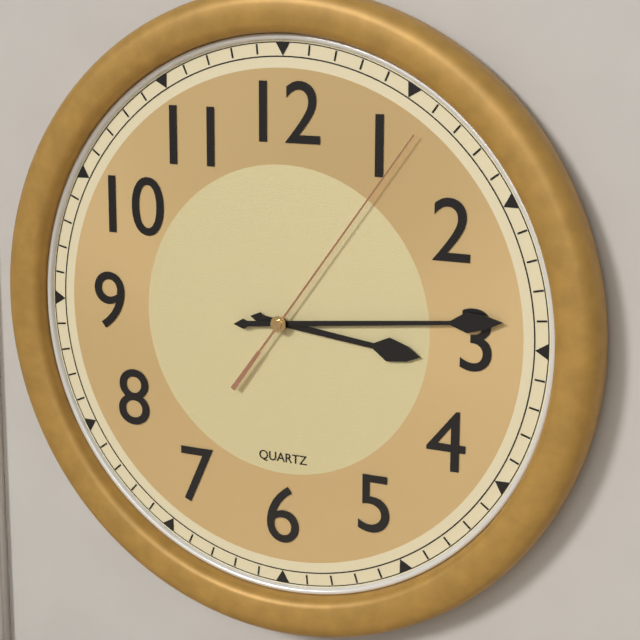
3:14:06
